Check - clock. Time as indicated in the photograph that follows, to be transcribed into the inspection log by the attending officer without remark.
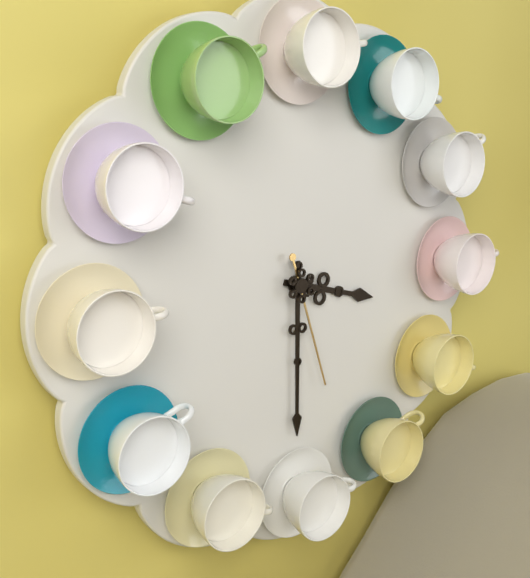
3:30:27
